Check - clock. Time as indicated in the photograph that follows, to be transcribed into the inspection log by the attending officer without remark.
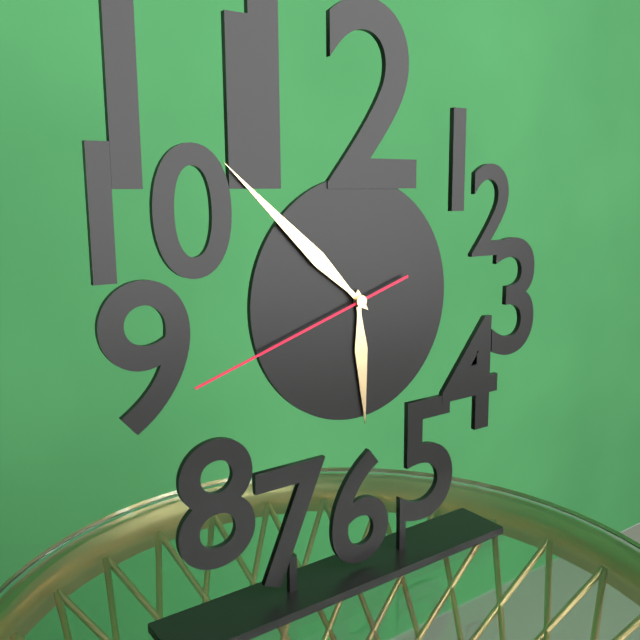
5:52:42
